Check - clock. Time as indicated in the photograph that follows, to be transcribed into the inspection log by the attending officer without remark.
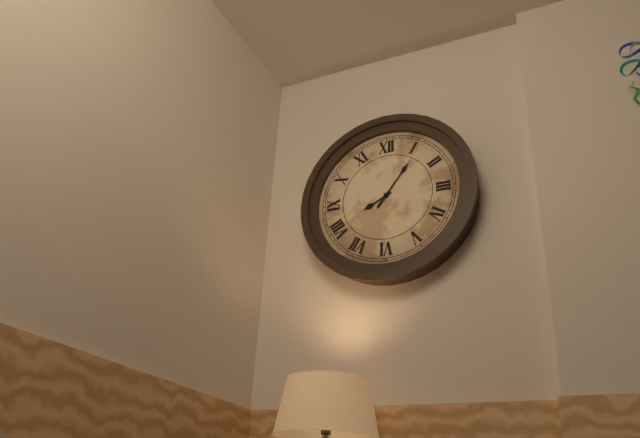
8:06
